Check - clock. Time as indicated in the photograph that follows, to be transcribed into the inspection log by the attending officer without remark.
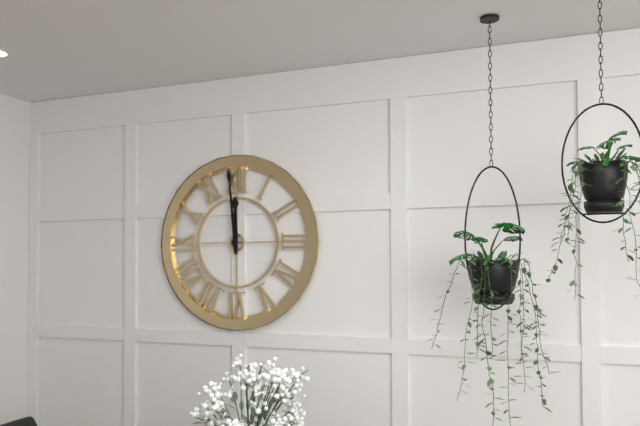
11:59
